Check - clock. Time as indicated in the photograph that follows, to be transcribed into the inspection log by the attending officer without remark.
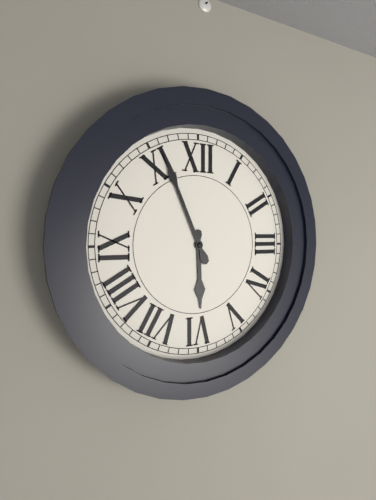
5:56
